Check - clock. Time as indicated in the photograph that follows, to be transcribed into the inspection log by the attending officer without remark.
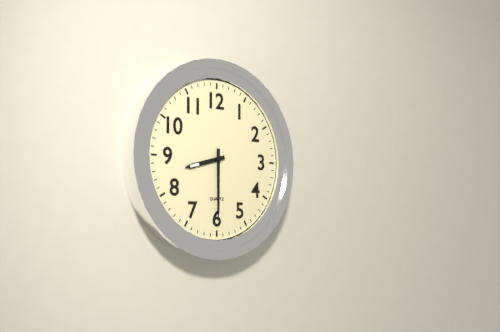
8:30
